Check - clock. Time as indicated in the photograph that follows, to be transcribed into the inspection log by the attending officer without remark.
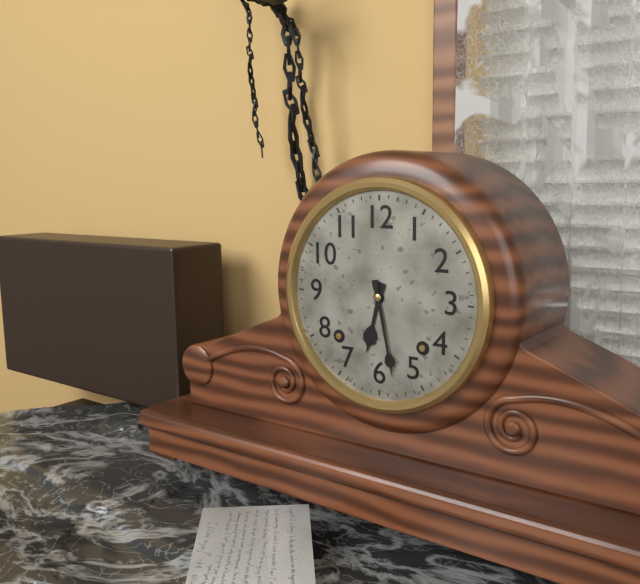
6:28
